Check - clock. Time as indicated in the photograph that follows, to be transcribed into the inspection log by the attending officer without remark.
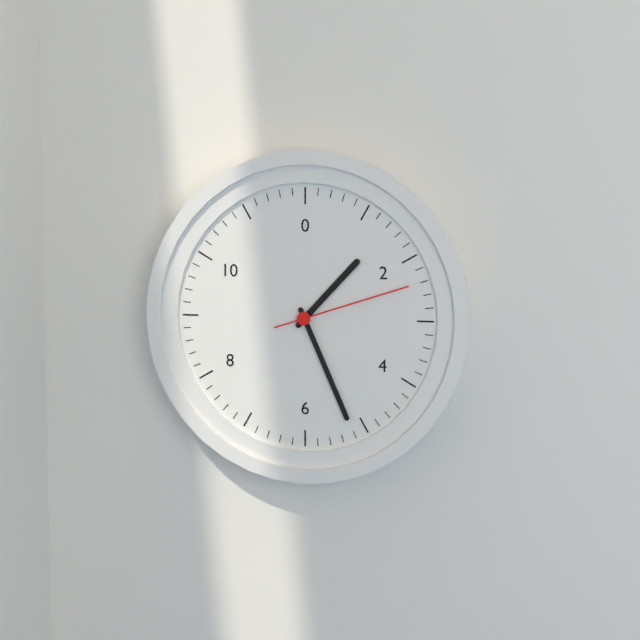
1:26:12
